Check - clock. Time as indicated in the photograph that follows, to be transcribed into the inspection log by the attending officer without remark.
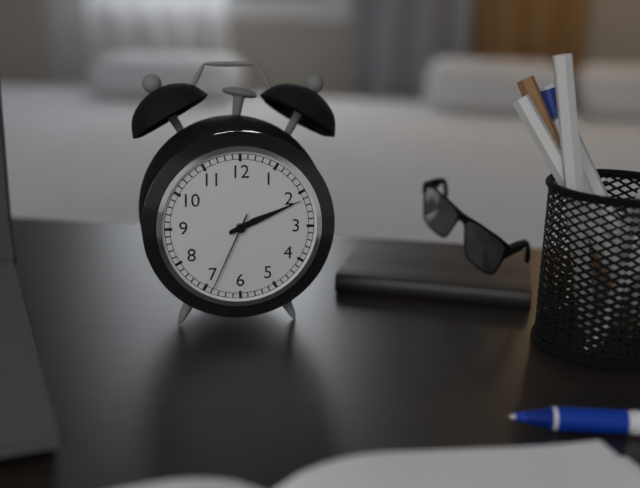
2:11:34
